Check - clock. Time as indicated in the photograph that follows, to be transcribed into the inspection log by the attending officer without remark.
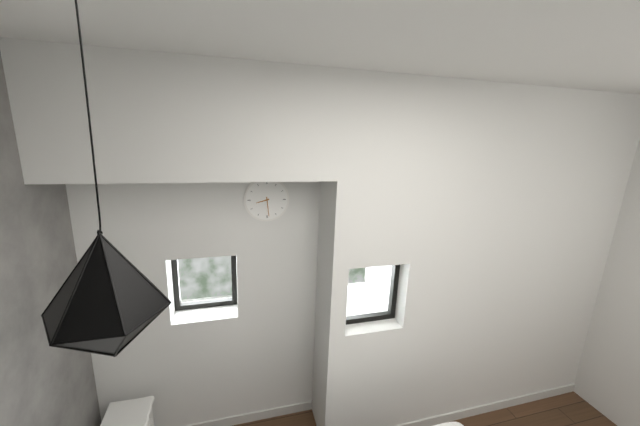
8:29
